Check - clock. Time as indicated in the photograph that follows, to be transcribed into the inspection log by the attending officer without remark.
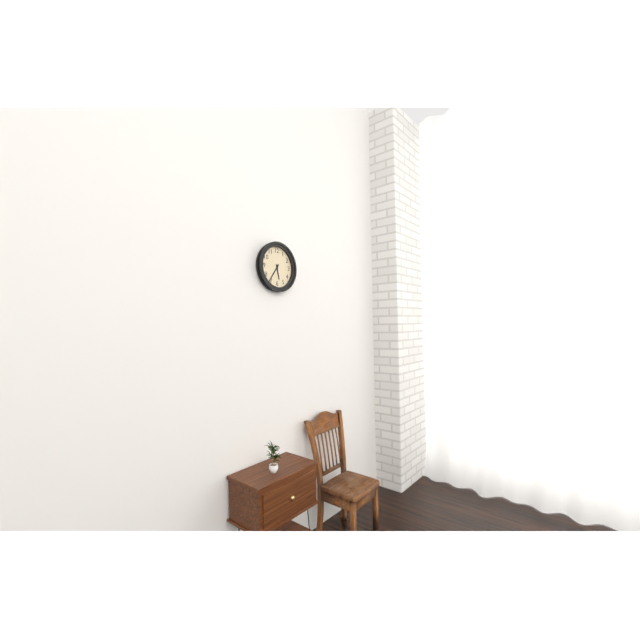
5:36
